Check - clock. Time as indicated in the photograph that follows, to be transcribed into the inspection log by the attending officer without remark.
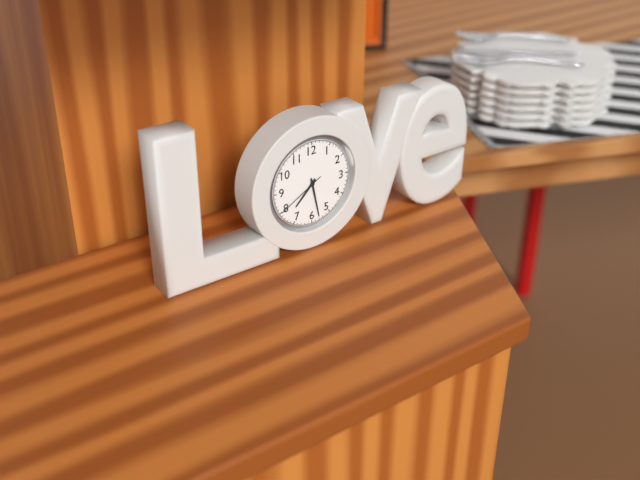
7:28:40
